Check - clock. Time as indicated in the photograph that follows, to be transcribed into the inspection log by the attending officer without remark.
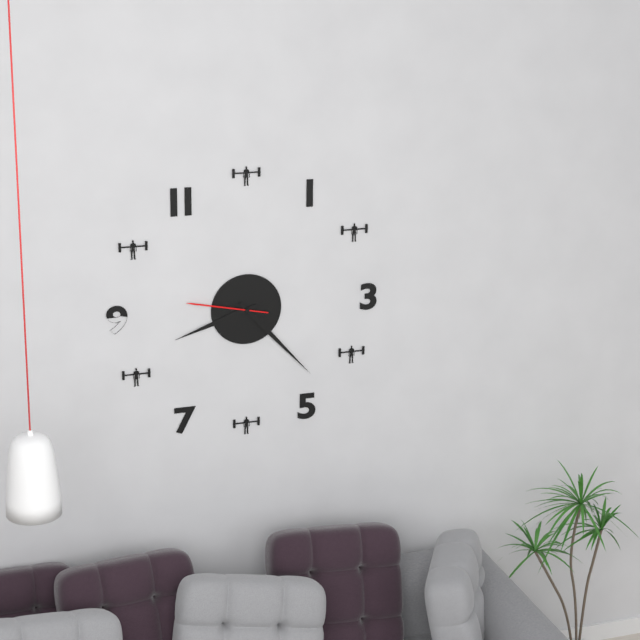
8:23:47
